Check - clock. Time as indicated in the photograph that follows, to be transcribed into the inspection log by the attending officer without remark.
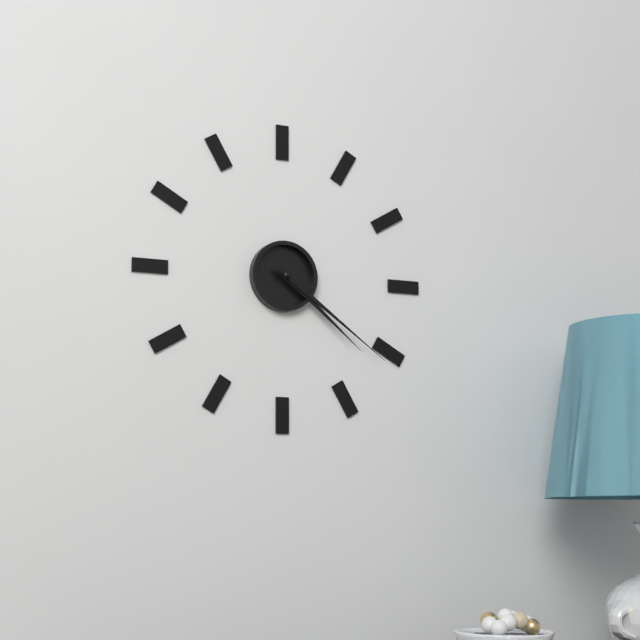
4:21
